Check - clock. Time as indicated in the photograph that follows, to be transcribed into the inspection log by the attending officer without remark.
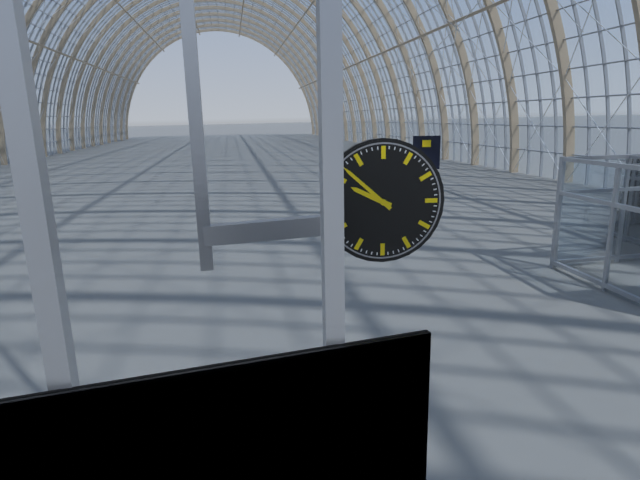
9:52
